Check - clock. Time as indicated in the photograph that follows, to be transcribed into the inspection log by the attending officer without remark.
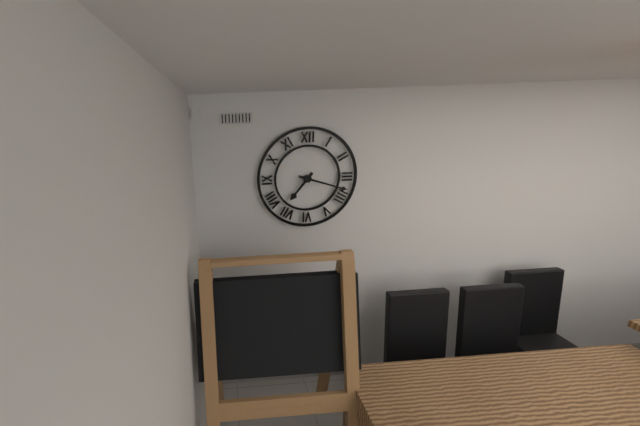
7:18
